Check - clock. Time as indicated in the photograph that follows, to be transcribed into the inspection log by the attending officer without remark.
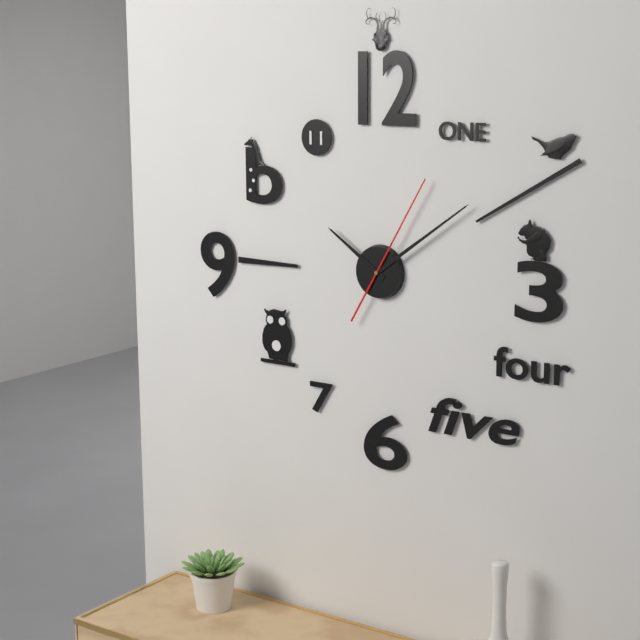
10:09:05
